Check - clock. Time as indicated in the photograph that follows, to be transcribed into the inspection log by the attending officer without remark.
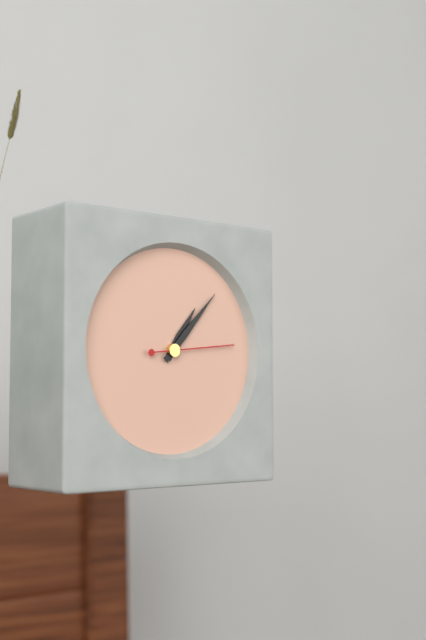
1:07:14
